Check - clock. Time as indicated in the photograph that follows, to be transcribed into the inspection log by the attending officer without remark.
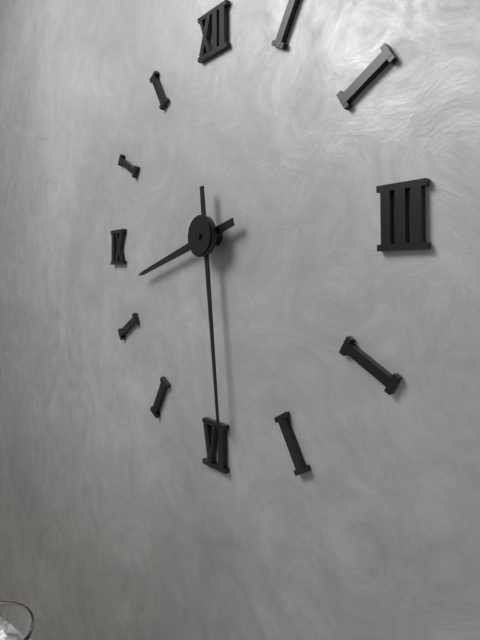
8:29
